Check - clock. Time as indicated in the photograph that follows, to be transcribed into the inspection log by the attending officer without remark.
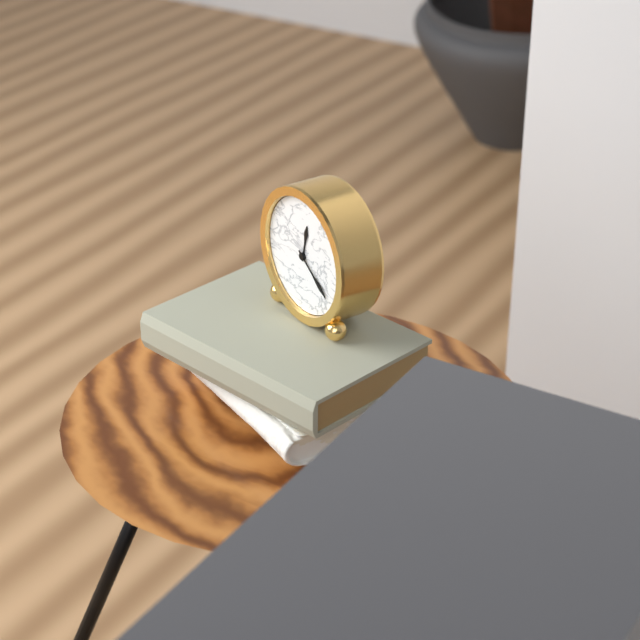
12:21
